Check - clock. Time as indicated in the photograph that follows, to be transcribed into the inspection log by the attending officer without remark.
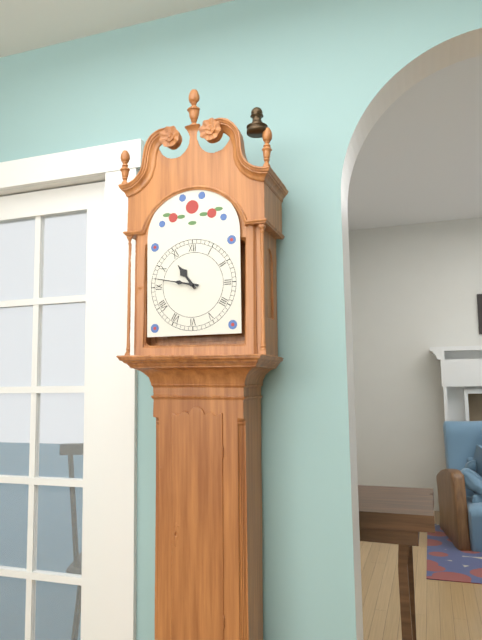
10:47
